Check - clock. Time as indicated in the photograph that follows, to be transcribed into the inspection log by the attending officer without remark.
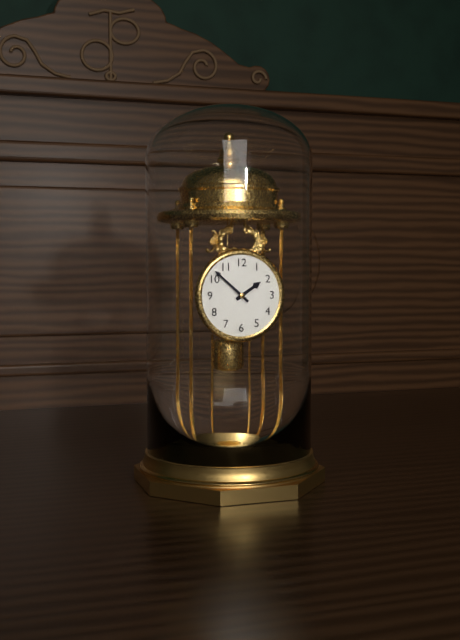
1:52
